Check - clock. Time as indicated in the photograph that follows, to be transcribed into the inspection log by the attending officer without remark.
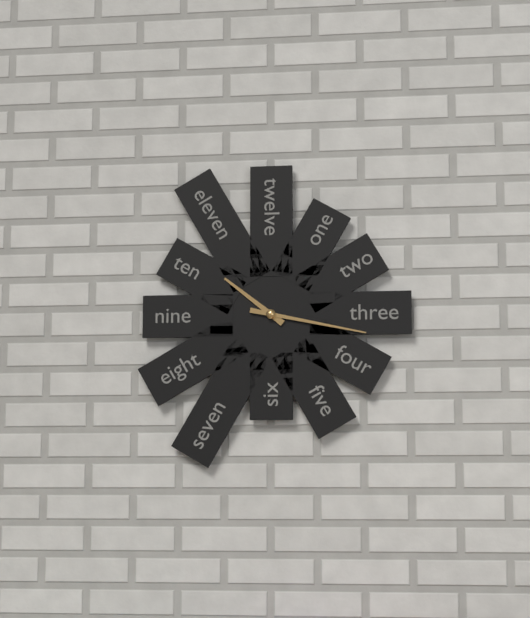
10:17
